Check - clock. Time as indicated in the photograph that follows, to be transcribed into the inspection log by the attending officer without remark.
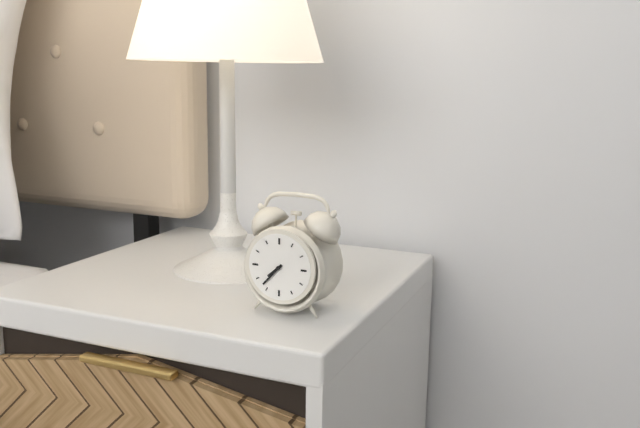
7:37
